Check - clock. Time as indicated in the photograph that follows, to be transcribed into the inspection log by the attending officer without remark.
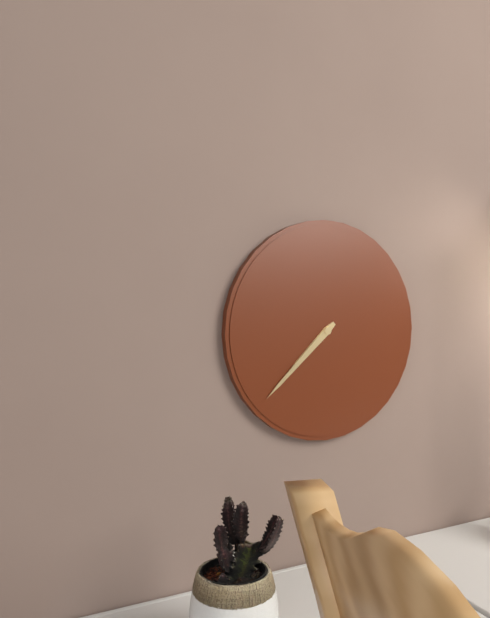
7:38
